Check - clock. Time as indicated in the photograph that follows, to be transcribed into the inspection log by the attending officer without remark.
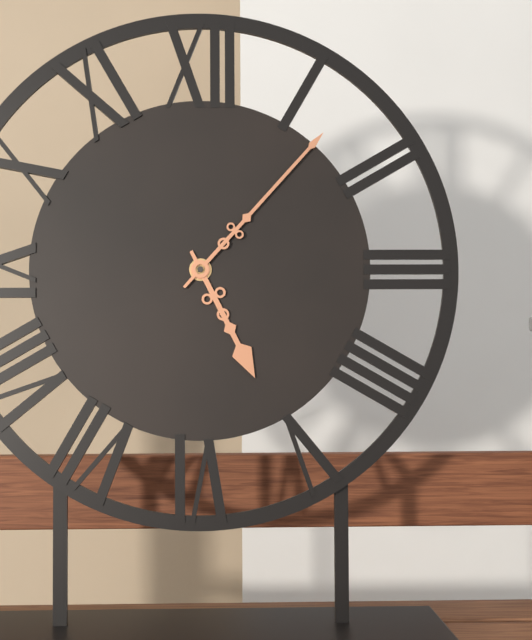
5:07
